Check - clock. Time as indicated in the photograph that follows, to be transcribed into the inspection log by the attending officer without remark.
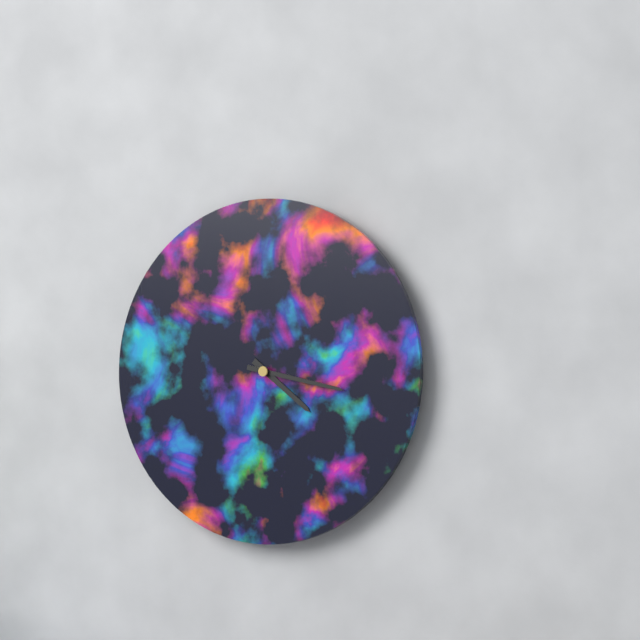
4:17
